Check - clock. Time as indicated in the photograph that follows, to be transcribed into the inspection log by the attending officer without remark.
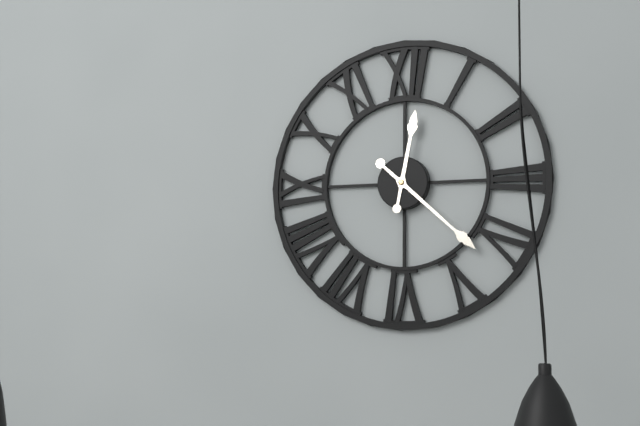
12:22
